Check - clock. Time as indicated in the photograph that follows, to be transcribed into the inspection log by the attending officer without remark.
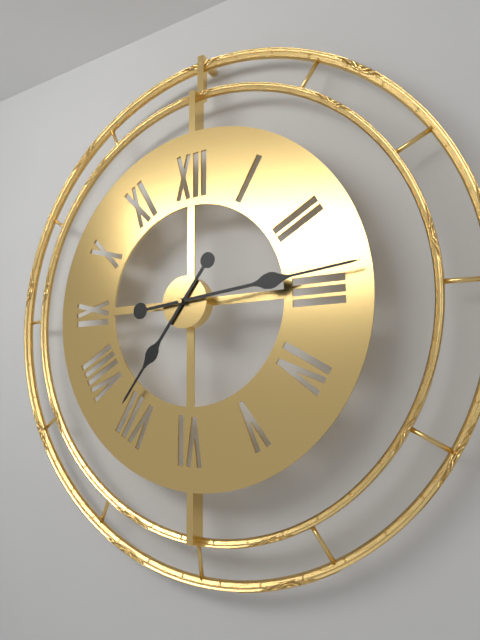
7:14
